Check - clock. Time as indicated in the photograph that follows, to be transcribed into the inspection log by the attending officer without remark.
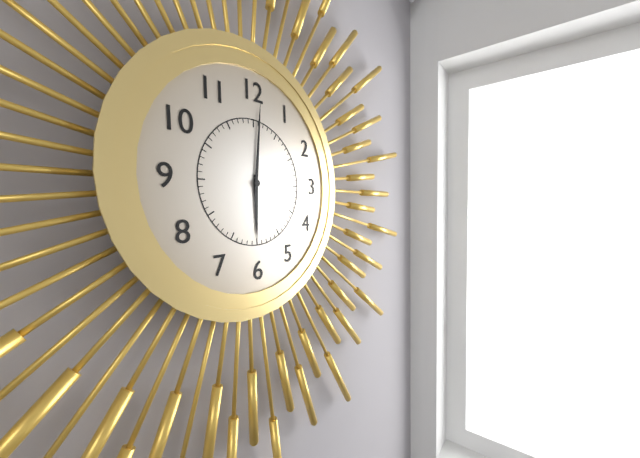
6:01
